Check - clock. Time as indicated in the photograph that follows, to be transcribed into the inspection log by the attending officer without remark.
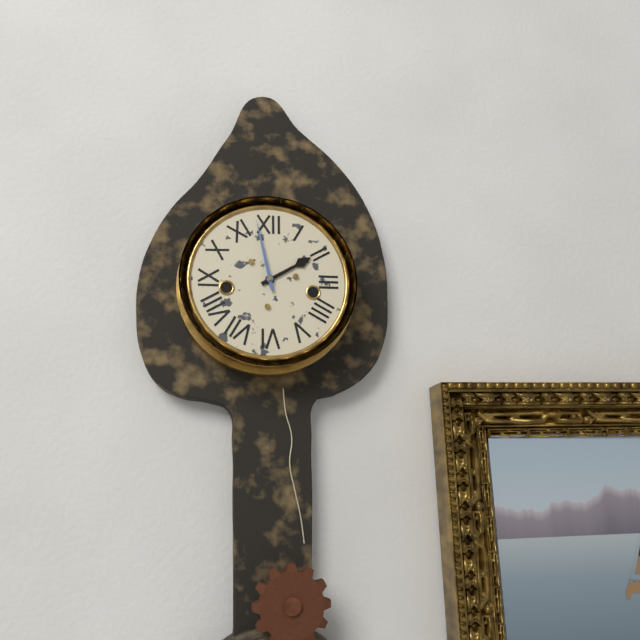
1:58
